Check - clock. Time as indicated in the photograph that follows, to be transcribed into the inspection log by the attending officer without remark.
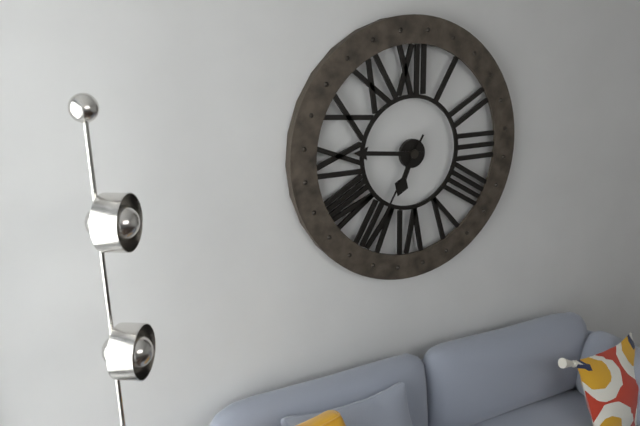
6:46:35
